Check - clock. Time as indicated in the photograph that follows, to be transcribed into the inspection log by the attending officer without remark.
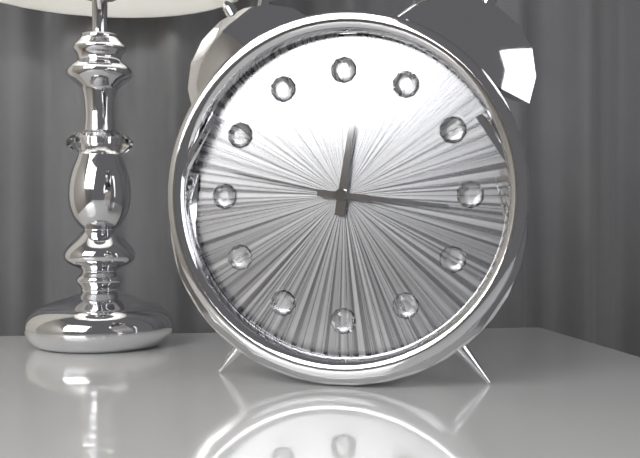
12:16:47
